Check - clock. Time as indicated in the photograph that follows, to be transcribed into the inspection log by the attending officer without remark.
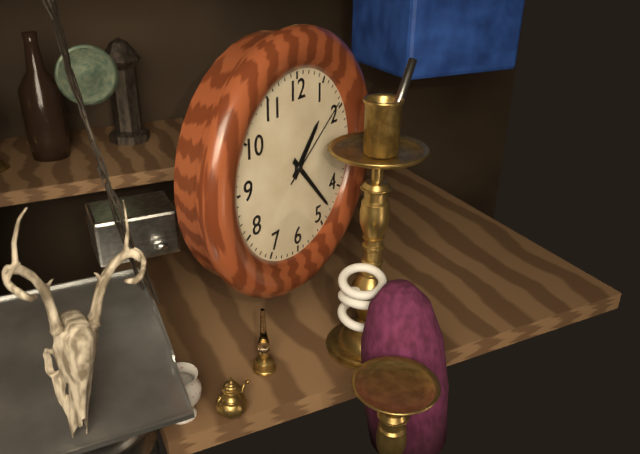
1:23:09
